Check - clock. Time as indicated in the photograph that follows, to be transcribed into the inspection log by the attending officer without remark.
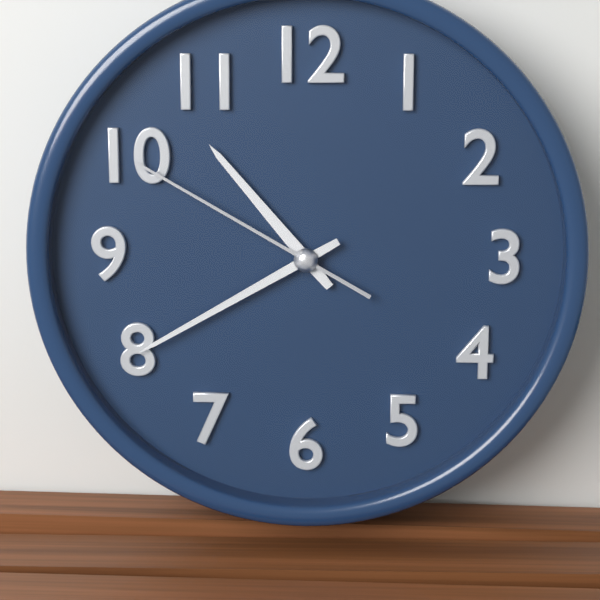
10:40:50
